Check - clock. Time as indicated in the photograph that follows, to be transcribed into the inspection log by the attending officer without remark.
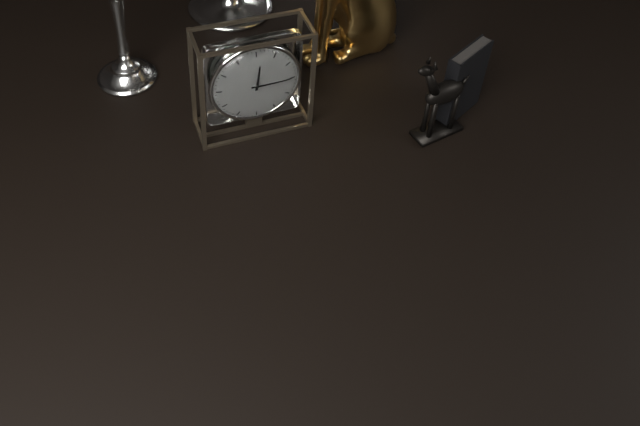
12:15
